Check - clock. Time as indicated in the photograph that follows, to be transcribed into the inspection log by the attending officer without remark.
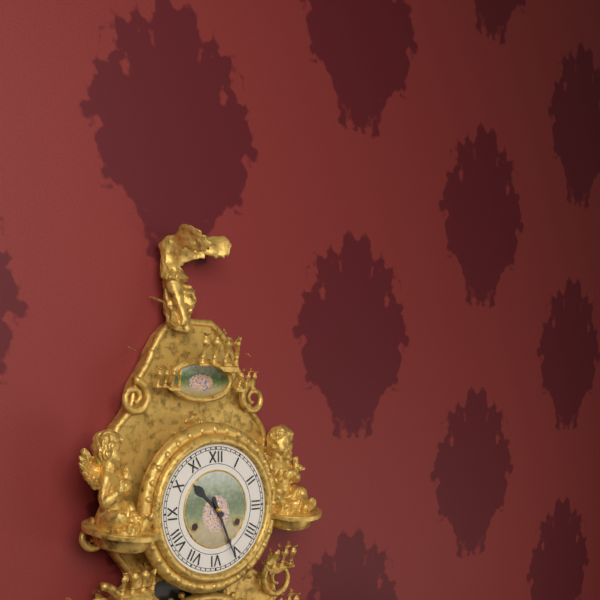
10:26
